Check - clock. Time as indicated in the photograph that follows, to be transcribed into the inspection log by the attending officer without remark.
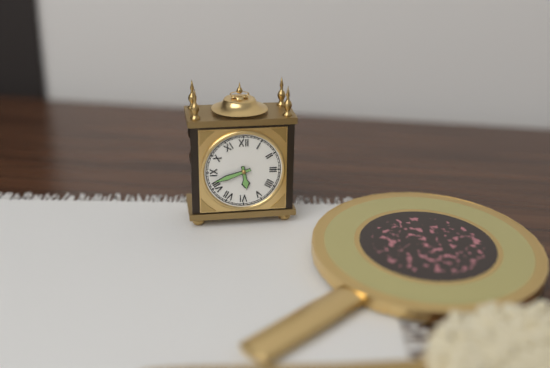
5:42
